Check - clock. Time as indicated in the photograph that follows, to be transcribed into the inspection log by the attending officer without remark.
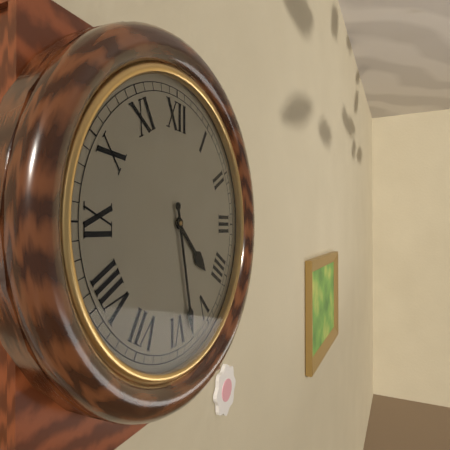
4:28
